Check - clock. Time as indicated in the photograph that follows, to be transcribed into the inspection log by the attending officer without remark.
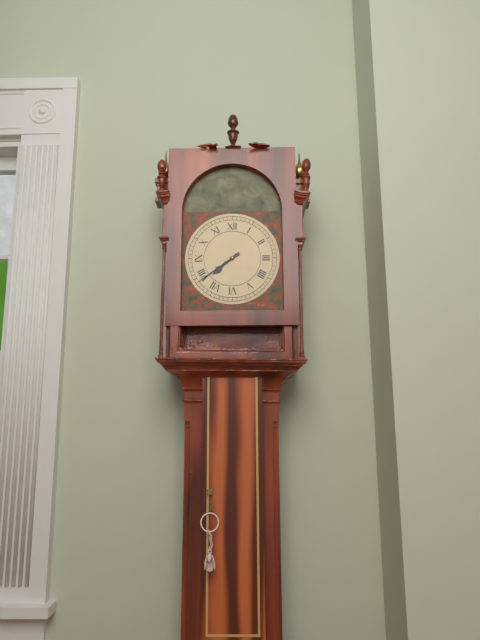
7:39
